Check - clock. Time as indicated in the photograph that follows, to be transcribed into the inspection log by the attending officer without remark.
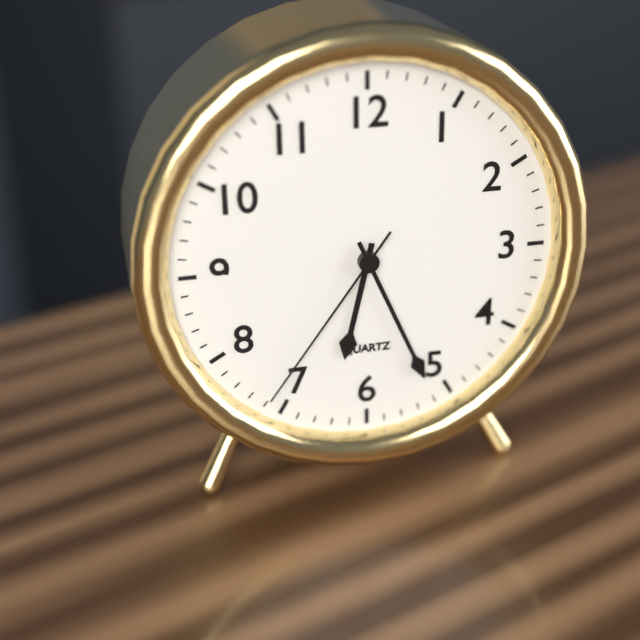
6:26:36
